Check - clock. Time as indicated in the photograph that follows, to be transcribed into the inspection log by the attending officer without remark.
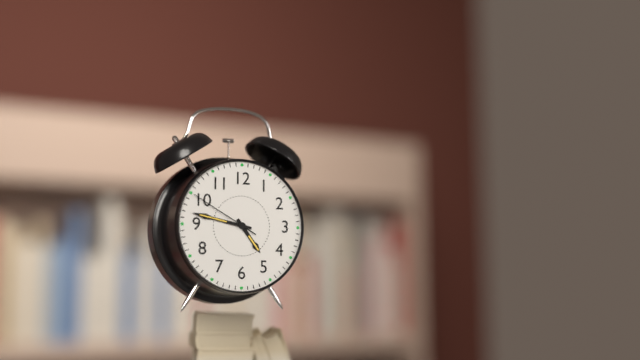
4:47:50
